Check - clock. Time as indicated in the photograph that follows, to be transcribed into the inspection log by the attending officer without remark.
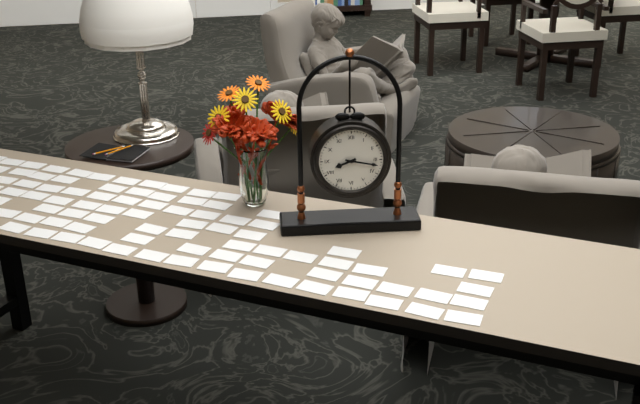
8:17
